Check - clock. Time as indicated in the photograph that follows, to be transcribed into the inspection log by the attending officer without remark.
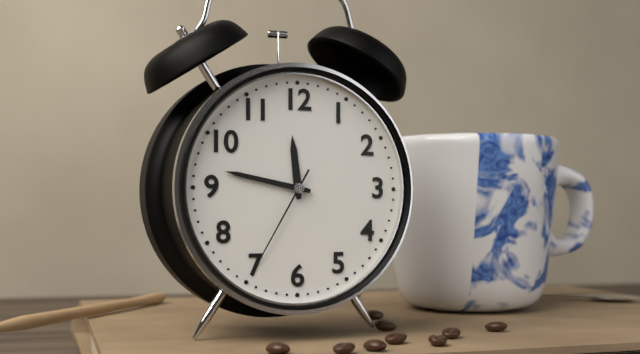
11:47:35
